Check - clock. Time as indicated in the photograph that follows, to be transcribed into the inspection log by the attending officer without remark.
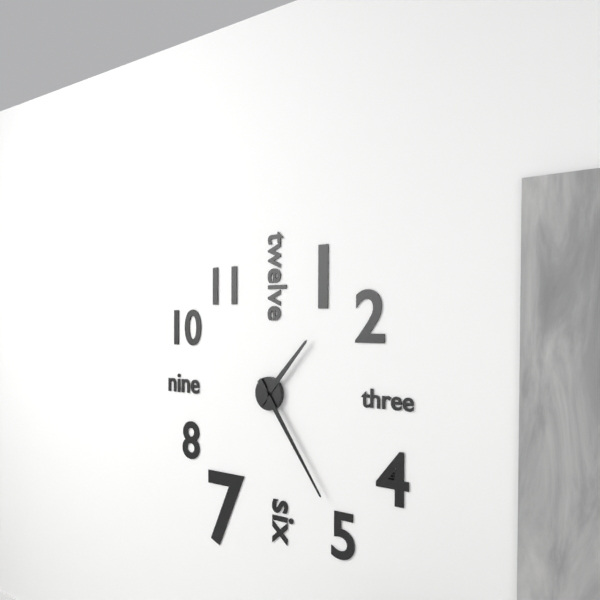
1:24
